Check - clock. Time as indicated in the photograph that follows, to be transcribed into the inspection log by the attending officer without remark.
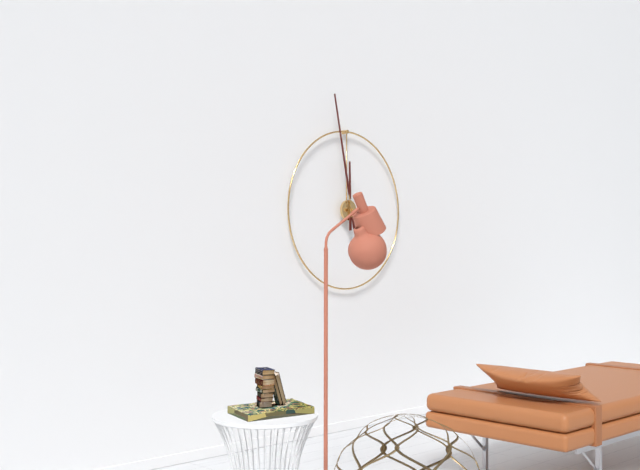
11:58
